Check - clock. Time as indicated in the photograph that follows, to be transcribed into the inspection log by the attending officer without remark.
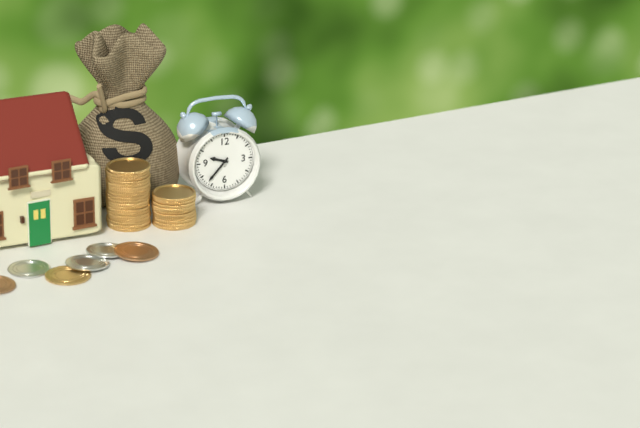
9:37
